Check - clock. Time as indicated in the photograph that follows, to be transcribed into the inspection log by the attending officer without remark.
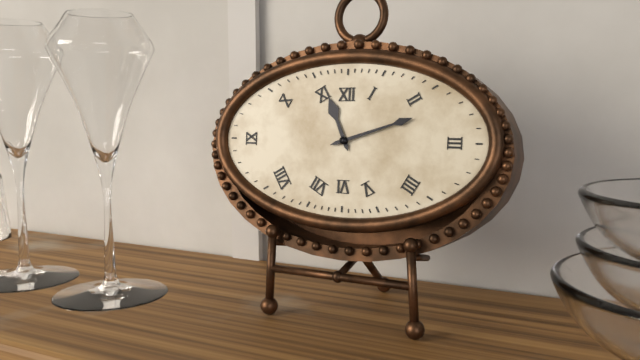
11:12
